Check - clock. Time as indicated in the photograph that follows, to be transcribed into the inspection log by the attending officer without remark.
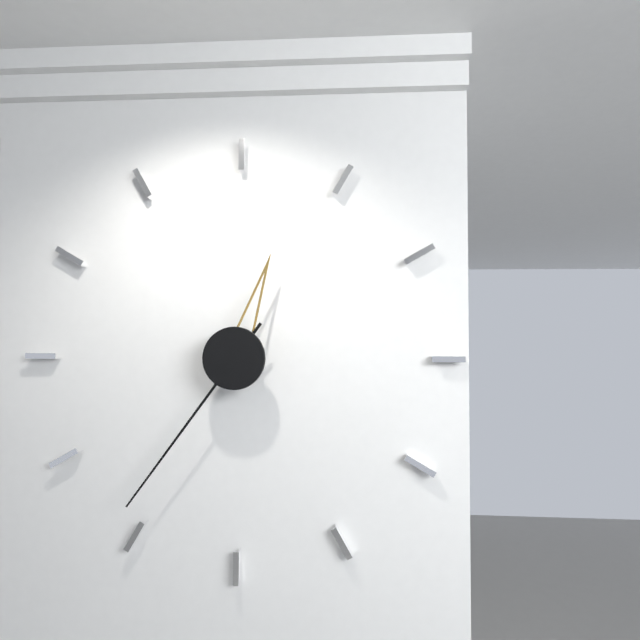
12:36
